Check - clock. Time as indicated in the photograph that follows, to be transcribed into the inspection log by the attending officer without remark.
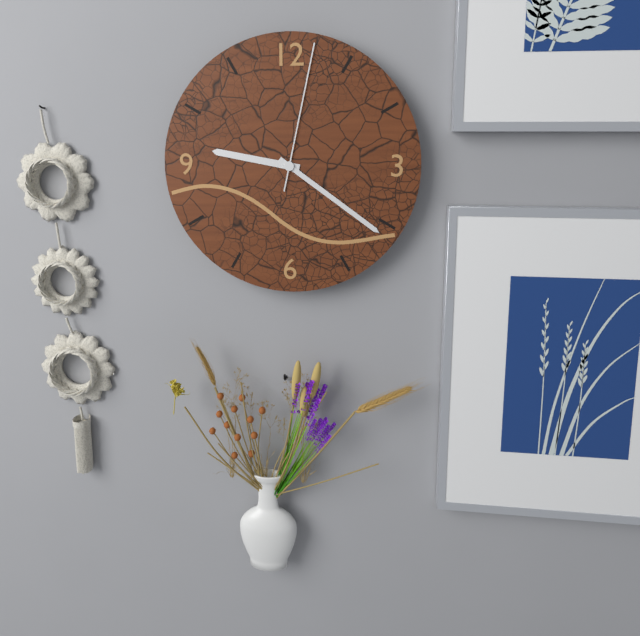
9:21:02
